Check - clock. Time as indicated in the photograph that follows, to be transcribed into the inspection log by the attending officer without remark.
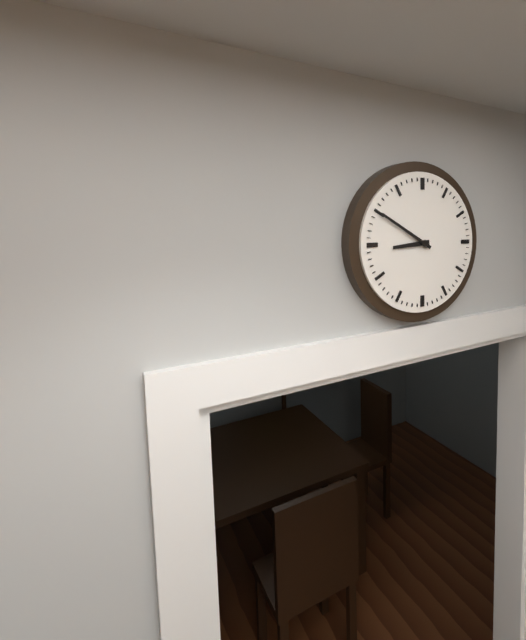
8:50
